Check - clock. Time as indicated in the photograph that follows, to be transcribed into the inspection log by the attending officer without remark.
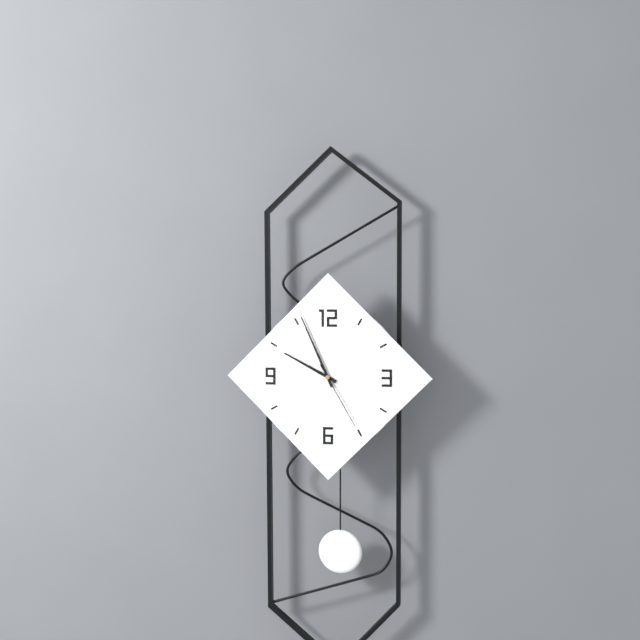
9:56:25
